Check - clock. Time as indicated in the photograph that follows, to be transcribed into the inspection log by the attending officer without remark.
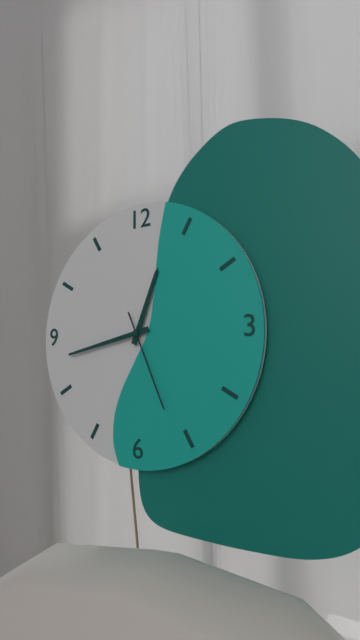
12:43:26
